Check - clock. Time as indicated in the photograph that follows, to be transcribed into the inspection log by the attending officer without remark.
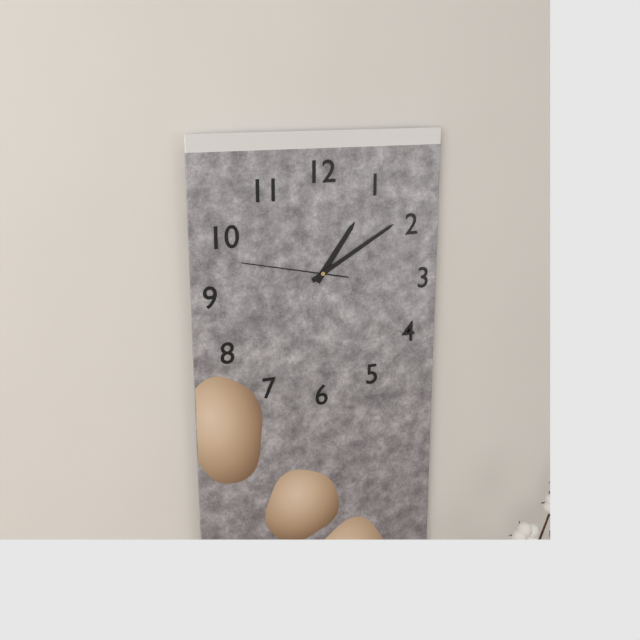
1:10:47
